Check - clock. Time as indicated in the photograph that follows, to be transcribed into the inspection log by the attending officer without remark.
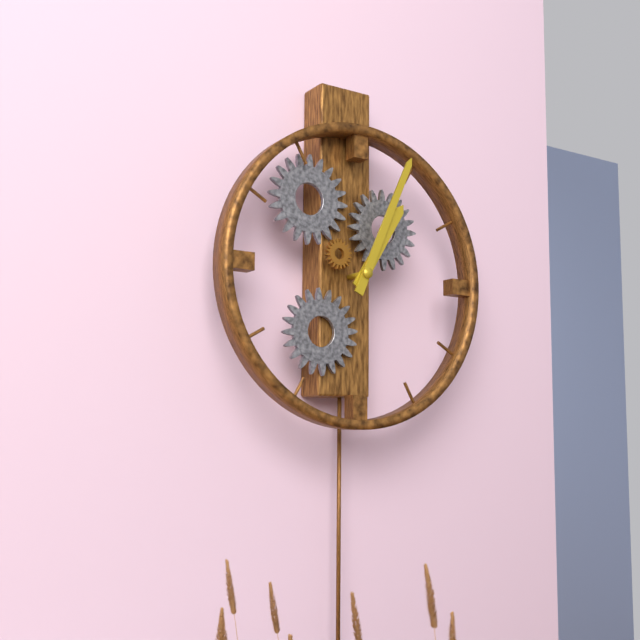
1:04
